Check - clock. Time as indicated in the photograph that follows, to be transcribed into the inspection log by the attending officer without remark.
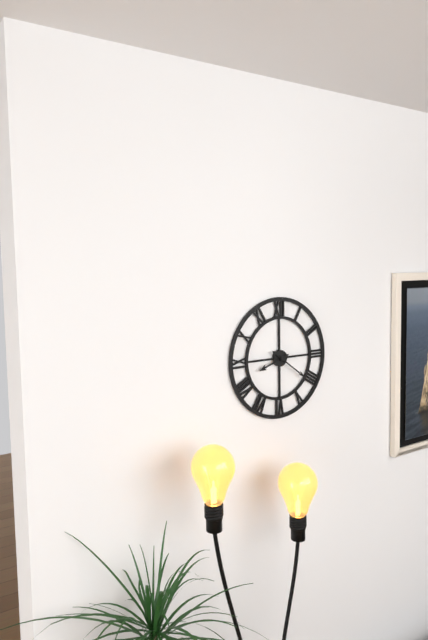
8:21
